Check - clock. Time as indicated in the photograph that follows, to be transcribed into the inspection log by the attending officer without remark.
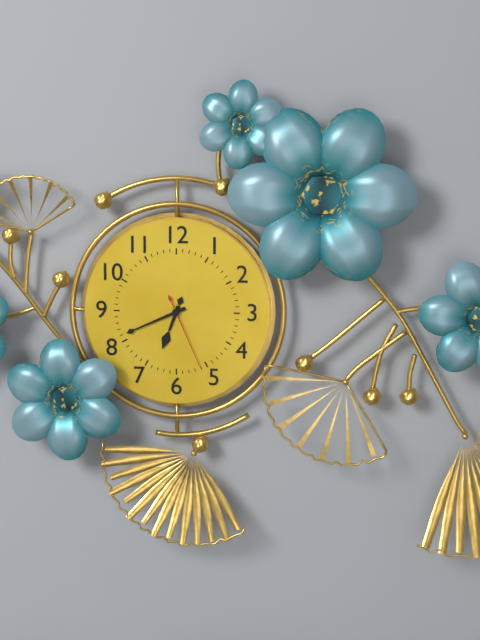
6:41:26
